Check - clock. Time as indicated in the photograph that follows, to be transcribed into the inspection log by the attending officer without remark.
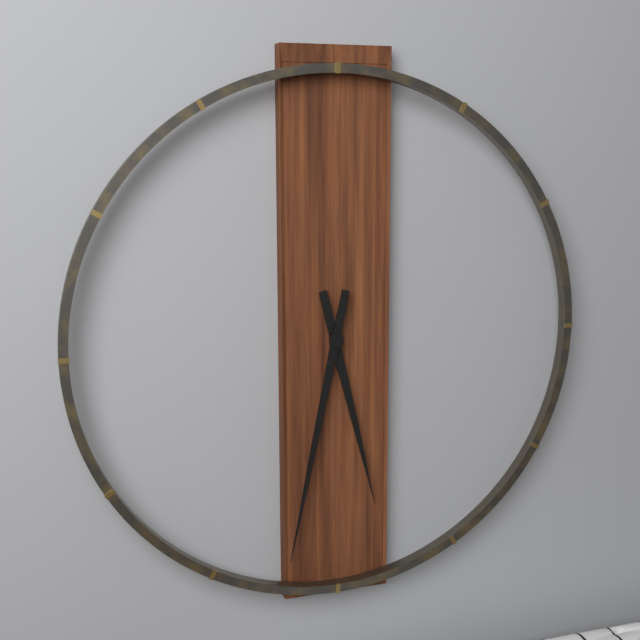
5:32
